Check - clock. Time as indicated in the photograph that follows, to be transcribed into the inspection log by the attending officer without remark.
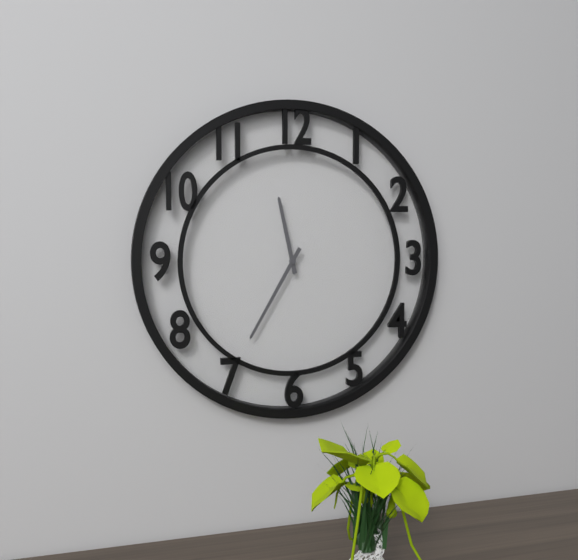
11:35
